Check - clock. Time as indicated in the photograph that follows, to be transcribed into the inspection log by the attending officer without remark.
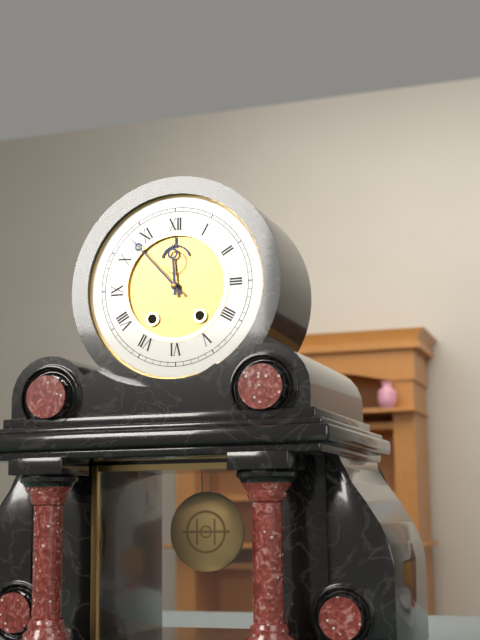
11:53
